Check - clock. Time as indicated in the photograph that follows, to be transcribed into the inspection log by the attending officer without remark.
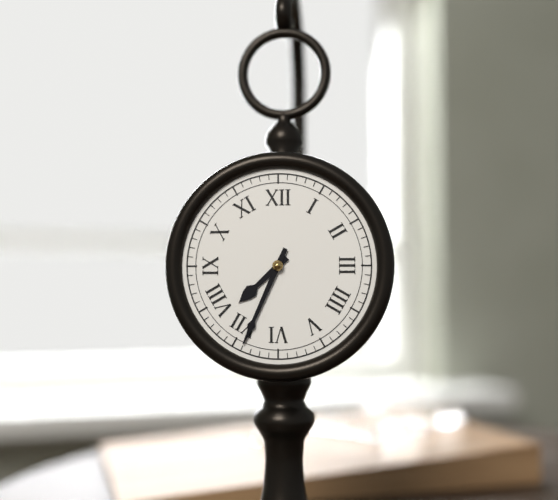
7:34
